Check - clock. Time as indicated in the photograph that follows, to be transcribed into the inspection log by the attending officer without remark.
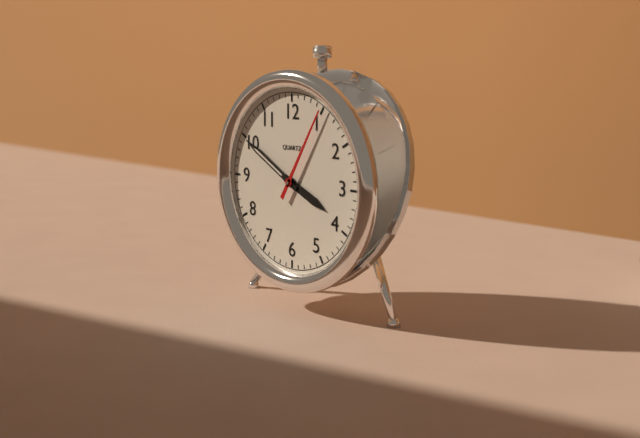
3:50:05
